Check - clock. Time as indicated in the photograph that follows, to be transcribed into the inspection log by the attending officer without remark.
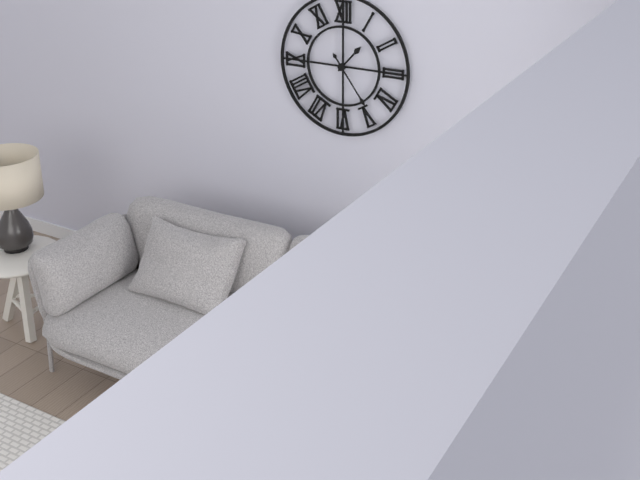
1:24
